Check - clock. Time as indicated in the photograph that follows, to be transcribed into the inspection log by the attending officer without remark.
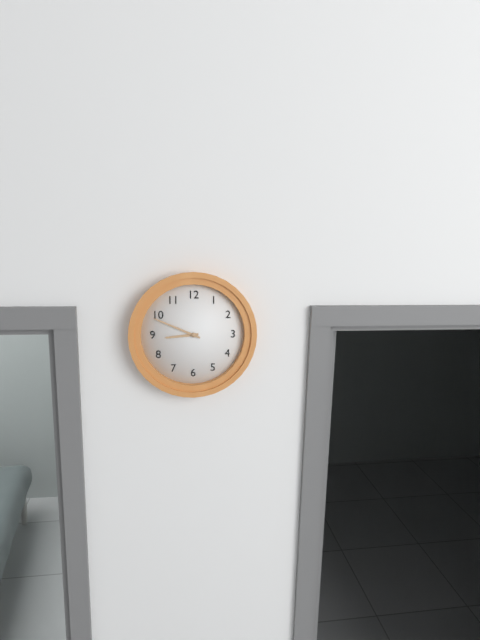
8:49
